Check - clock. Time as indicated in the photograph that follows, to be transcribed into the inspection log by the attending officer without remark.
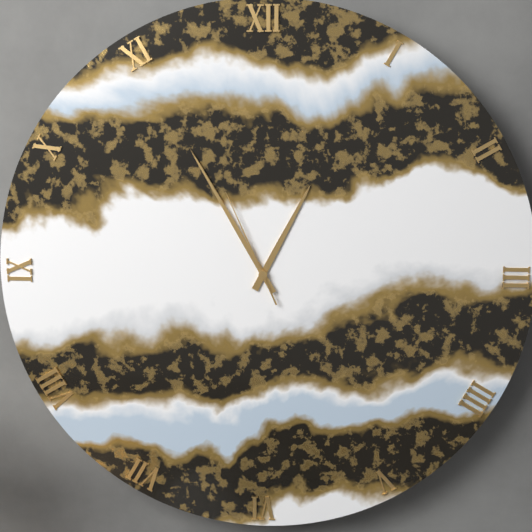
12:55:56
